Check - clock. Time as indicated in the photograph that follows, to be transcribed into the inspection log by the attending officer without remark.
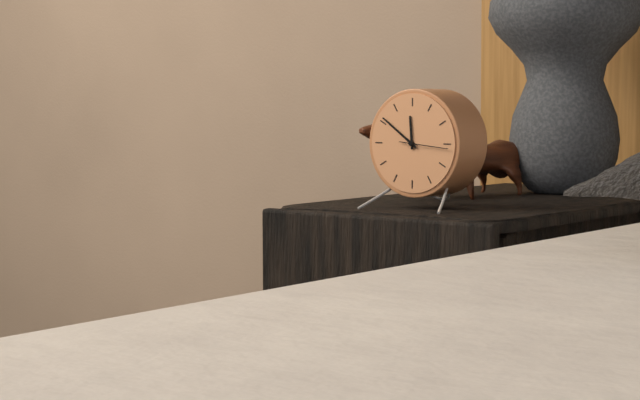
11:51
